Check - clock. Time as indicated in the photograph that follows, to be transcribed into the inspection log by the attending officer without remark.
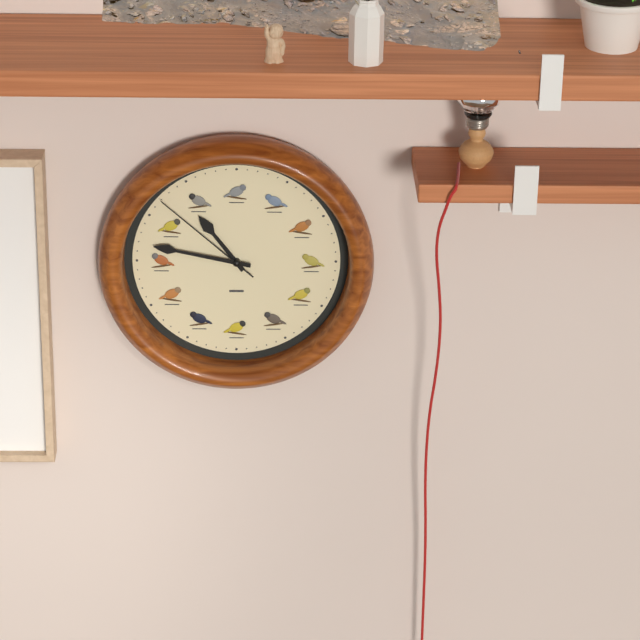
10:47:52
